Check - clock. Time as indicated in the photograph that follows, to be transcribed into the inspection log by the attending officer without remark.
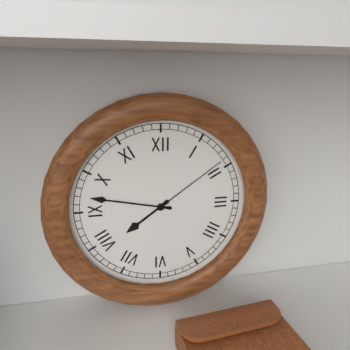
7:47:09
